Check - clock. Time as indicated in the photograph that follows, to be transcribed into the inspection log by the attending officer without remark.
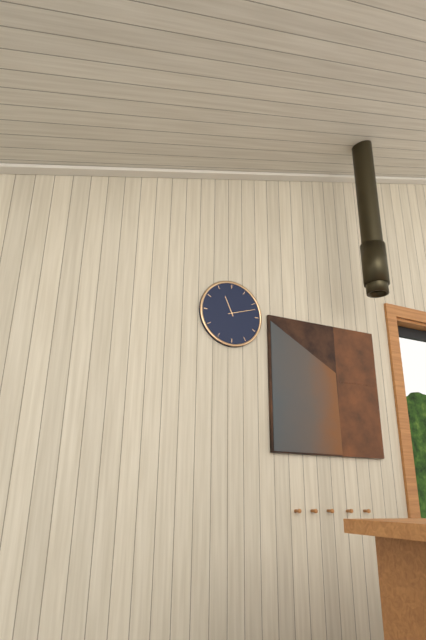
11:12
